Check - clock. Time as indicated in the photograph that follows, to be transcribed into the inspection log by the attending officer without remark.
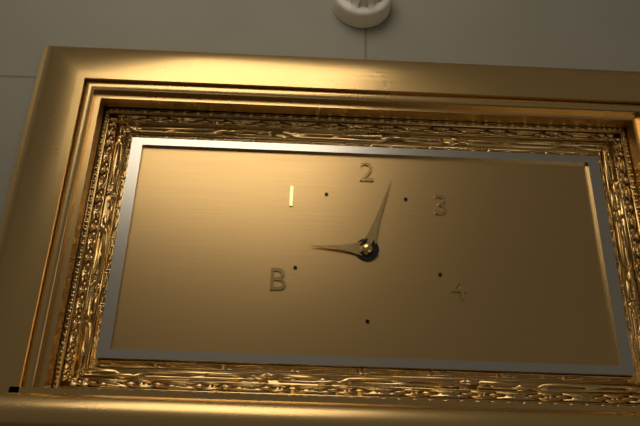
9:03
